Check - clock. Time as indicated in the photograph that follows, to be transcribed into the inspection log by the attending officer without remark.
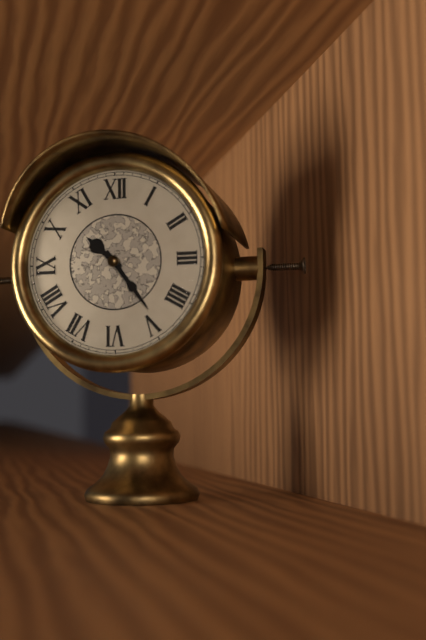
10:24
